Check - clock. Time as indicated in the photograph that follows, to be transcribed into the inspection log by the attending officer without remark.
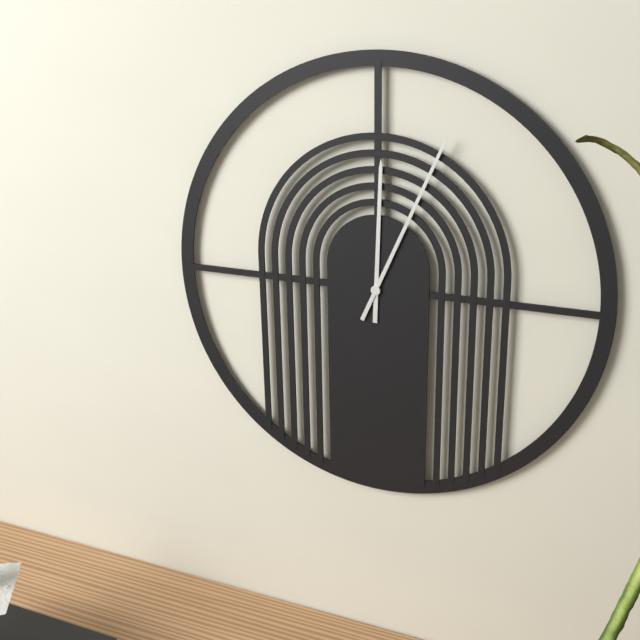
12:04
